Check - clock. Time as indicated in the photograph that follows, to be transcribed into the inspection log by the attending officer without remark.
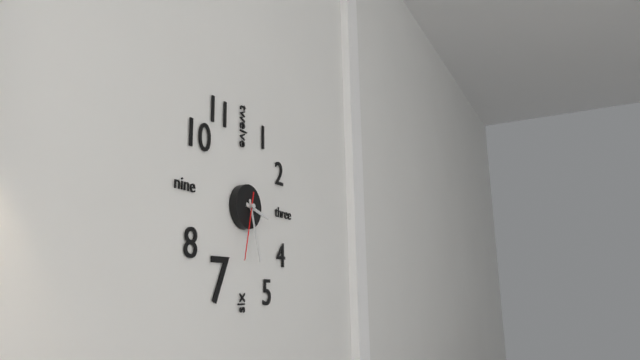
3:27:32
